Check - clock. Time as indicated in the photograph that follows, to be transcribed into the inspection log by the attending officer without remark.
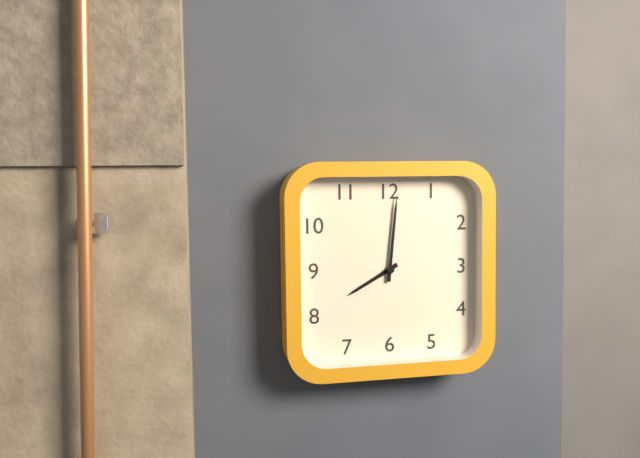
8:01
